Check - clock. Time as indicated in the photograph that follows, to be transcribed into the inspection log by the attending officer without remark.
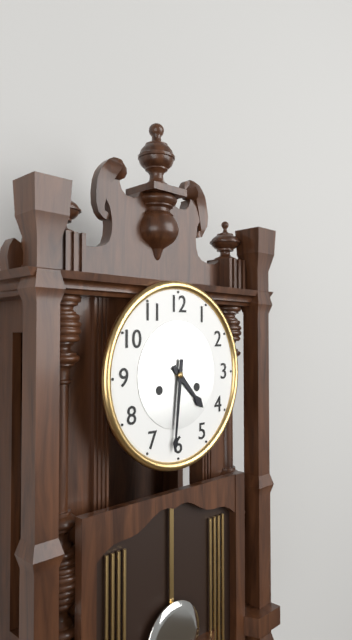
4:31
